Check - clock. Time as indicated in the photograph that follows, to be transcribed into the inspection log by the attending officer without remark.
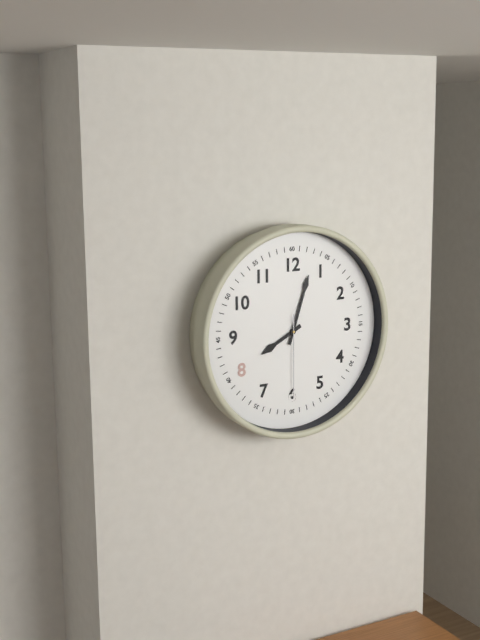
8:03:30
